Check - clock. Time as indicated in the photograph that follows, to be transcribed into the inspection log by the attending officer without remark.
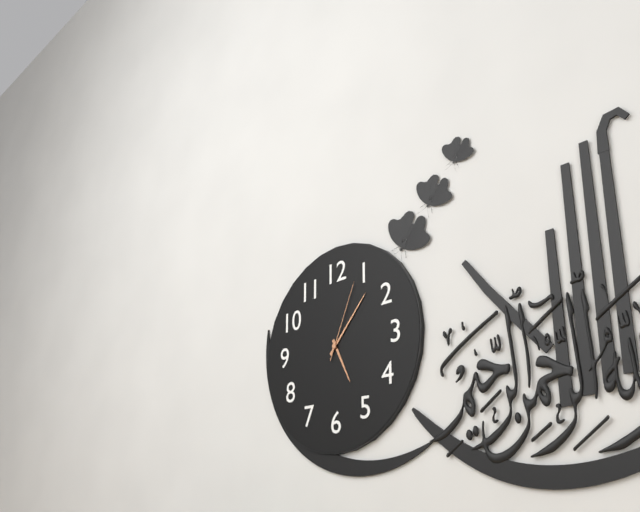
5:07:04
